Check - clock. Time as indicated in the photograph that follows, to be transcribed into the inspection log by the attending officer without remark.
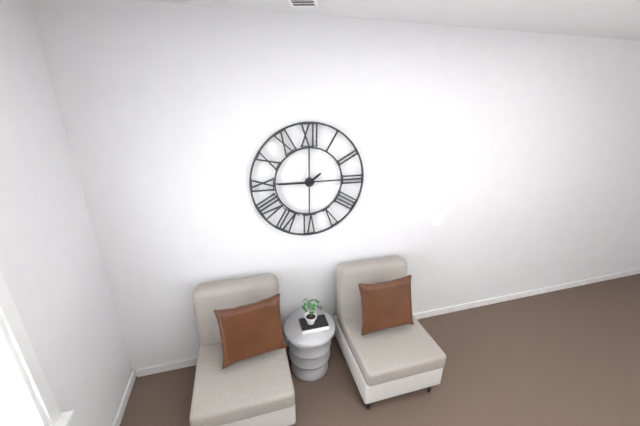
1:45
